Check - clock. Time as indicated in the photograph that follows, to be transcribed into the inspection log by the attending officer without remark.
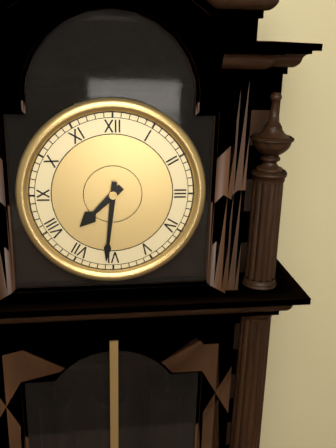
7:31
